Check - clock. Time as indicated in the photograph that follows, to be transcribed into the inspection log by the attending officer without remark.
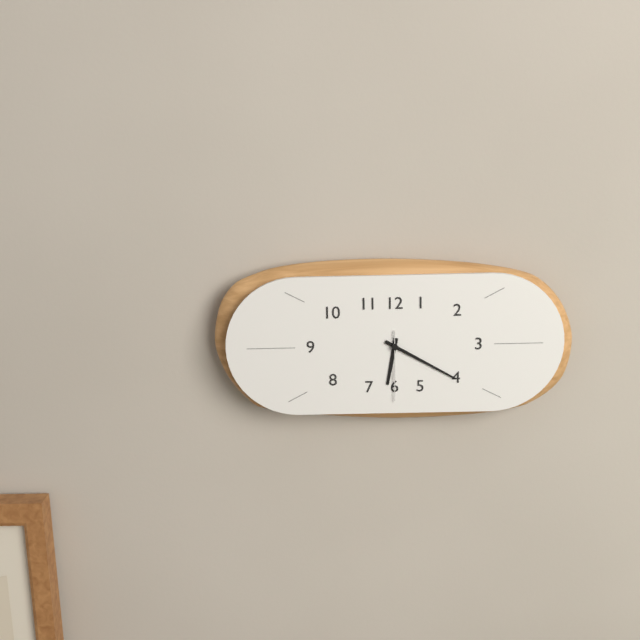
6:20:30
